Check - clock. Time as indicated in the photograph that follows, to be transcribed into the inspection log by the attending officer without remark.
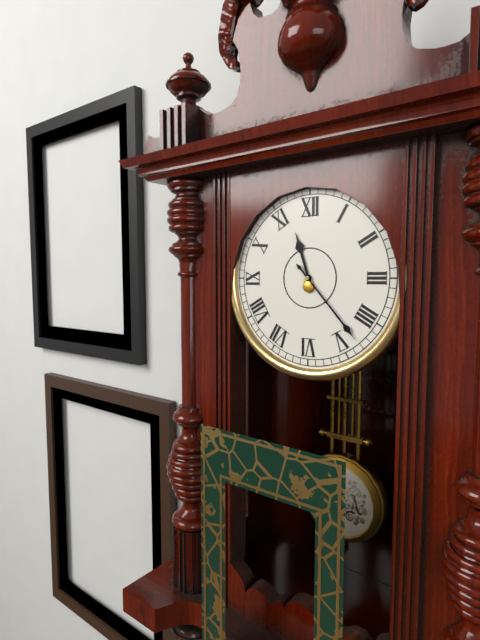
11:23
